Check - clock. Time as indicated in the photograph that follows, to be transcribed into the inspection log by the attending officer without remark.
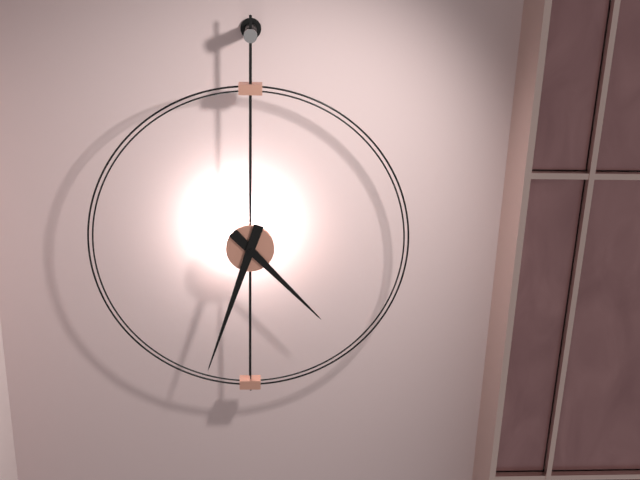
4:33
